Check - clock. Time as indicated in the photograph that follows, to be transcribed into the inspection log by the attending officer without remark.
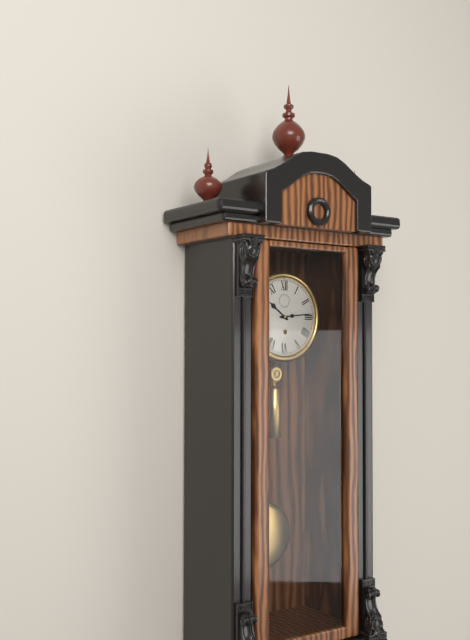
10:14
